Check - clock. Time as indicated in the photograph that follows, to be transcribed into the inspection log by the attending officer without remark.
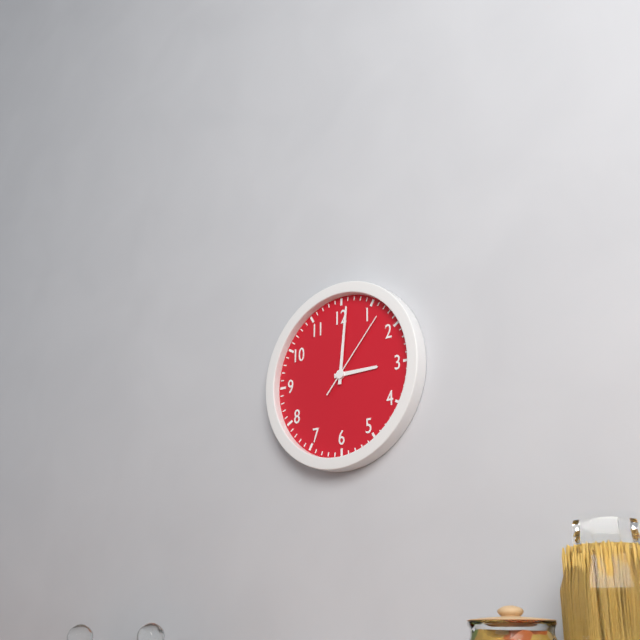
3:01:07
